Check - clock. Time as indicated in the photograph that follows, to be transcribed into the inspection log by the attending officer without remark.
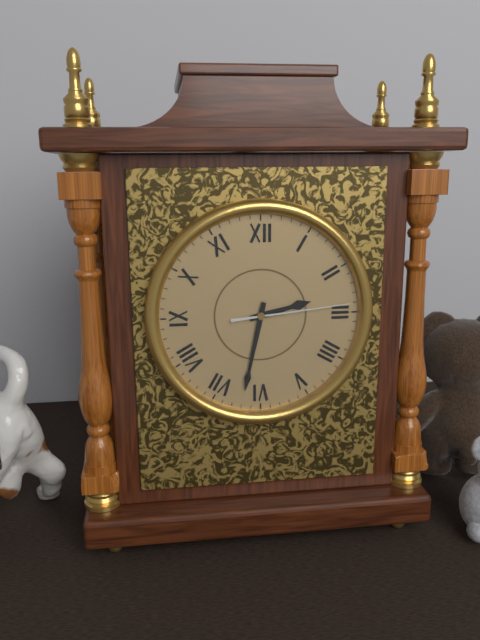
2:32:14
